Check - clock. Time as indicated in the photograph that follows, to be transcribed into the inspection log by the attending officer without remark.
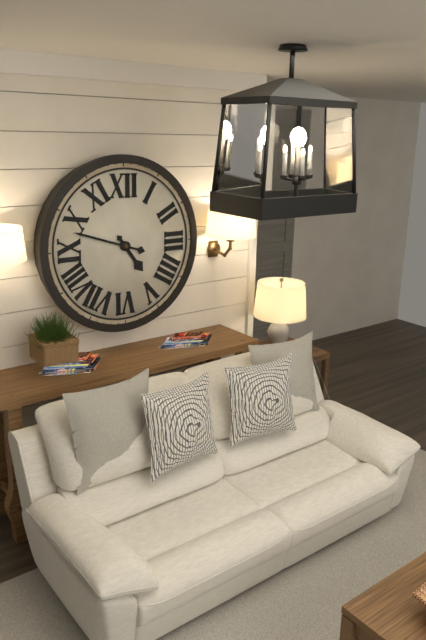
4:48
